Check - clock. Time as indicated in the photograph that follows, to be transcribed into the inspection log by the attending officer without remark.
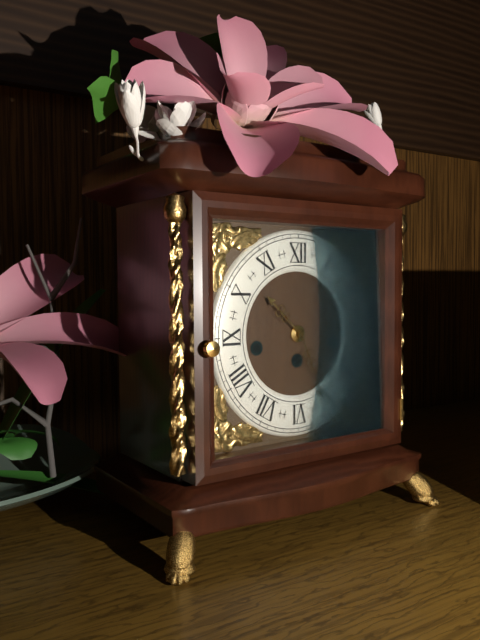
10:26
